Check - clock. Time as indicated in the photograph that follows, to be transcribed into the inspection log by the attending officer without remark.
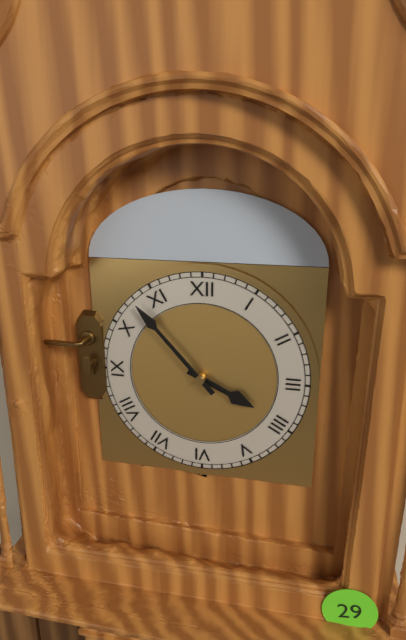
3:53
